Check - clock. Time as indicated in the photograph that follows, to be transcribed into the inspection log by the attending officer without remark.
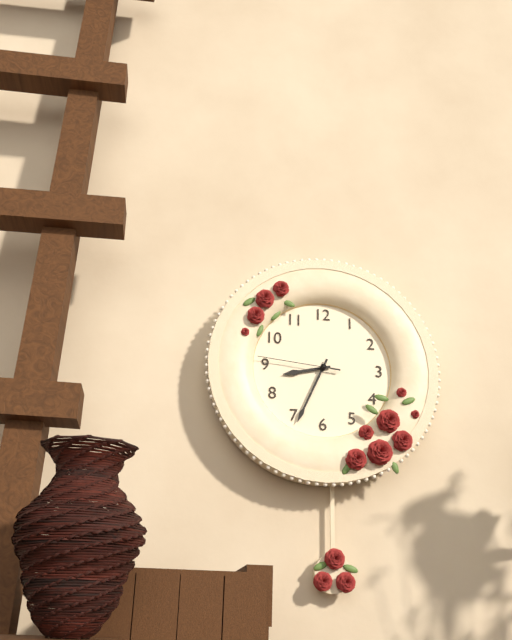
8:34:46
